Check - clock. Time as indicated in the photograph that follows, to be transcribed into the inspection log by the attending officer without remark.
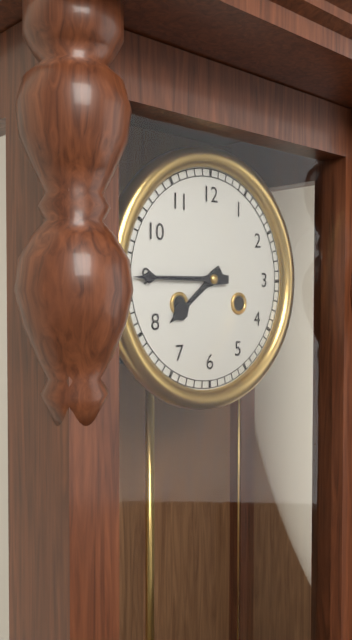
7:45
